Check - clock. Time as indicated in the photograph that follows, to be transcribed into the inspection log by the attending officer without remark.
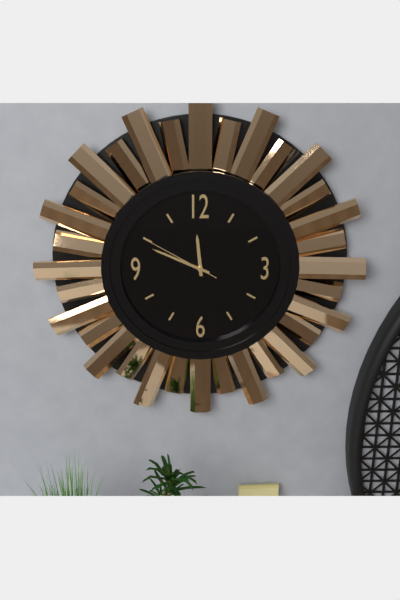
11:49:50
